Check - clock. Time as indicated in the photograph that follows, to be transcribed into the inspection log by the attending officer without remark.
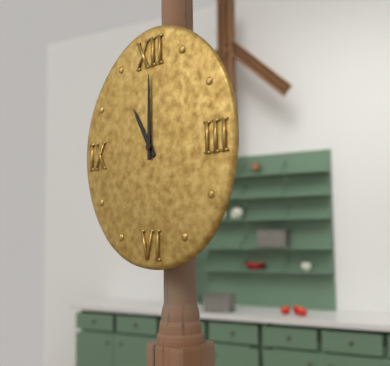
11:00
